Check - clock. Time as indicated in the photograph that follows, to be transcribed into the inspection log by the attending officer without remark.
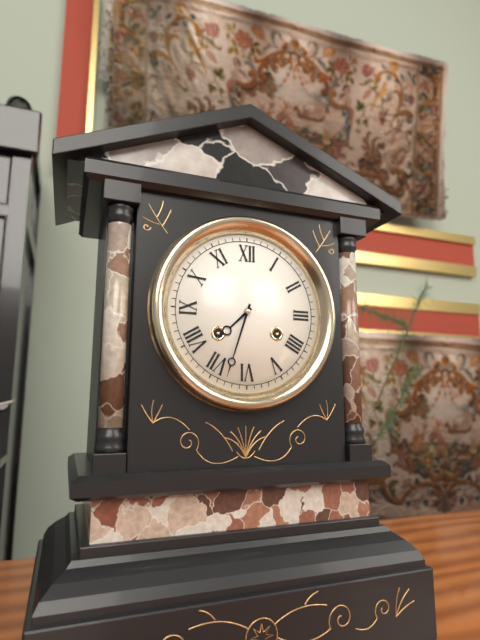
7:33
